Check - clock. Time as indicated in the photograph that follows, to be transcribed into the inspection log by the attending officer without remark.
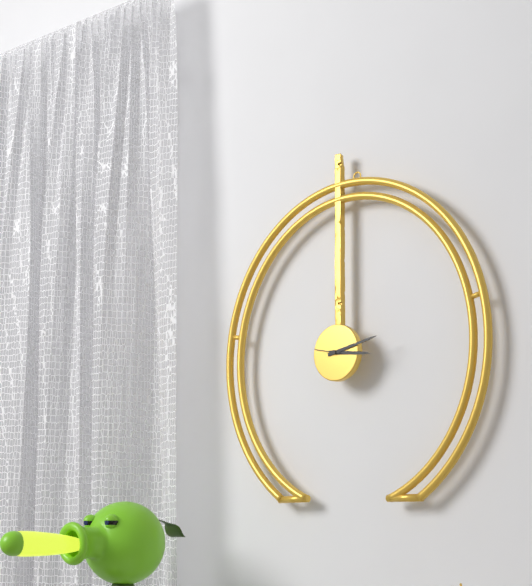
3:13
